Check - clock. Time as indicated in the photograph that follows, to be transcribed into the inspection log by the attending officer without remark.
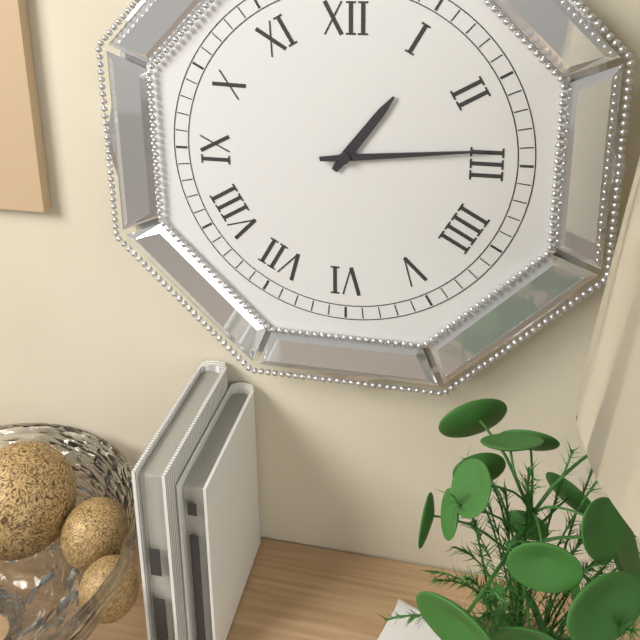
1:14
